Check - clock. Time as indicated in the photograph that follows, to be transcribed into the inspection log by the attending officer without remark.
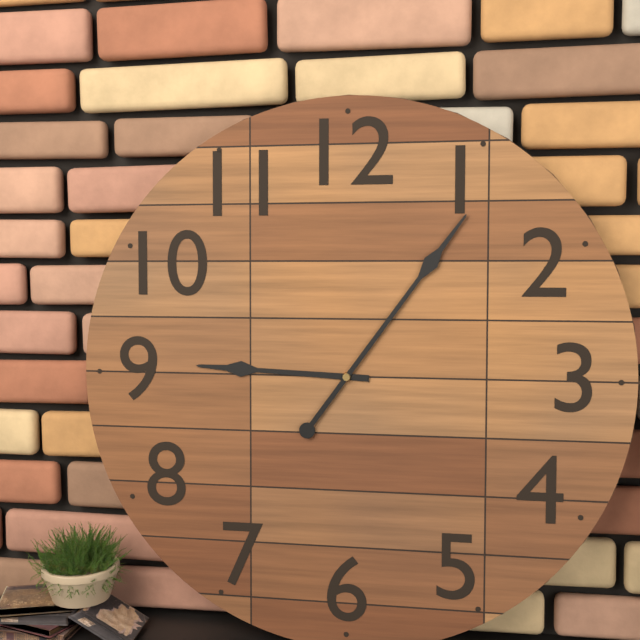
9:06
